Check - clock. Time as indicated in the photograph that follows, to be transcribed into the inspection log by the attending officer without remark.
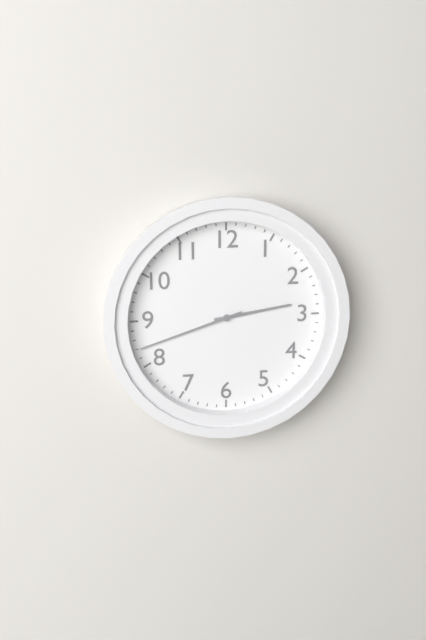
2:42
